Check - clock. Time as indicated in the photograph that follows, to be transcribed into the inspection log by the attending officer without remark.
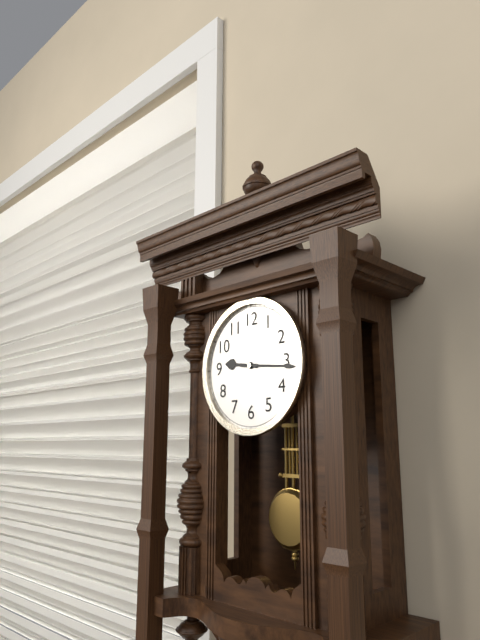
9:16
